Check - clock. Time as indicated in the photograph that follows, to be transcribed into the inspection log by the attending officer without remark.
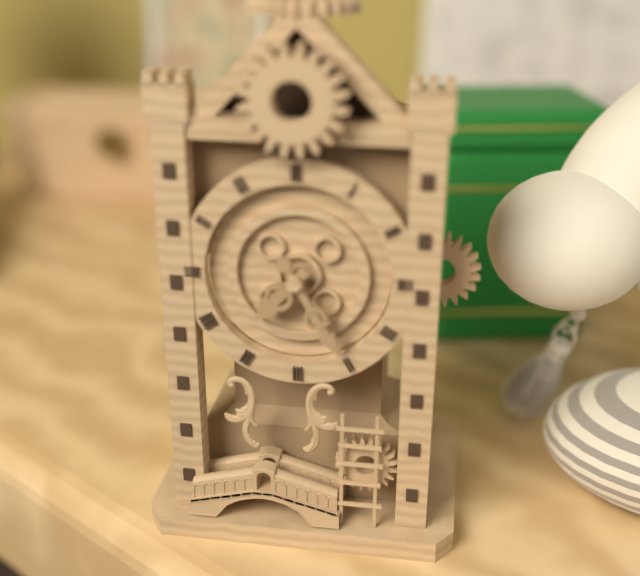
7:25
